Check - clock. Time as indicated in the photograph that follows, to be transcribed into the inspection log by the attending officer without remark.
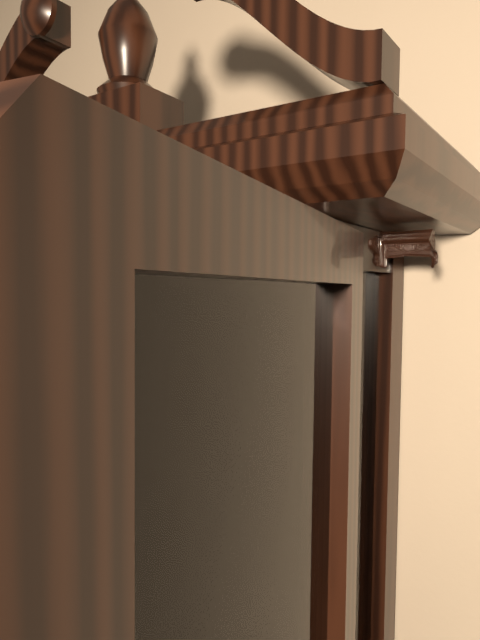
4:38
